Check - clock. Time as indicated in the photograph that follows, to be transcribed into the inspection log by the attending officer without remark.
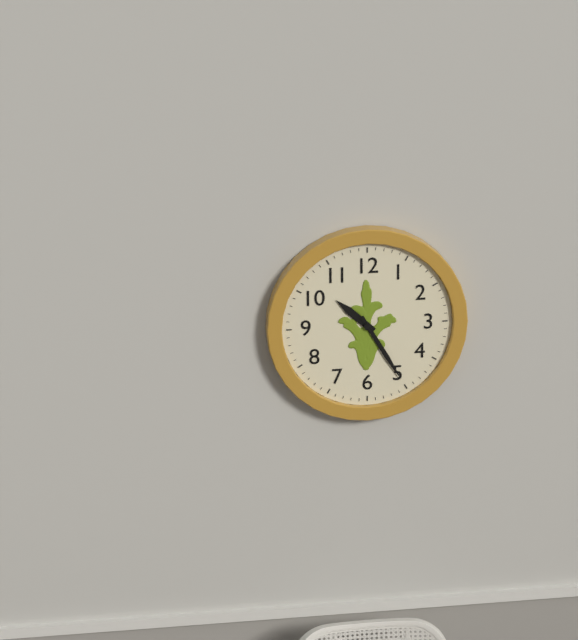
10:25
